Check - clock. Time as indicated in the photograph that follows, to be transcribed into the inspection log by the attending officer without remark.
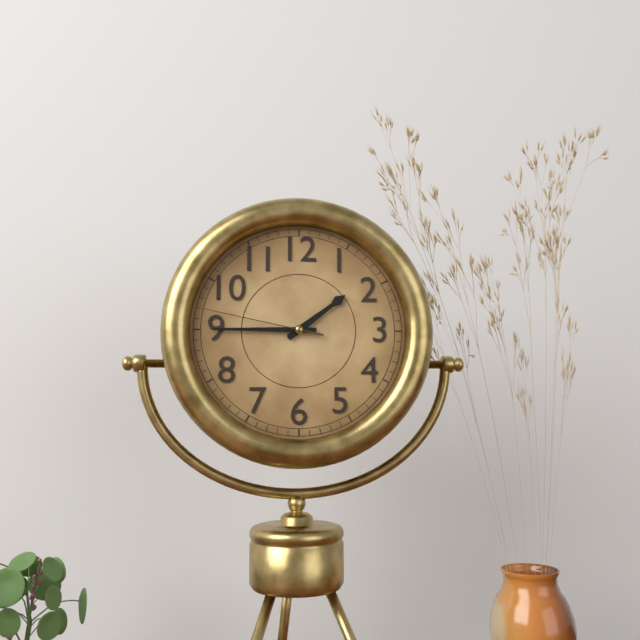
1:45:47
